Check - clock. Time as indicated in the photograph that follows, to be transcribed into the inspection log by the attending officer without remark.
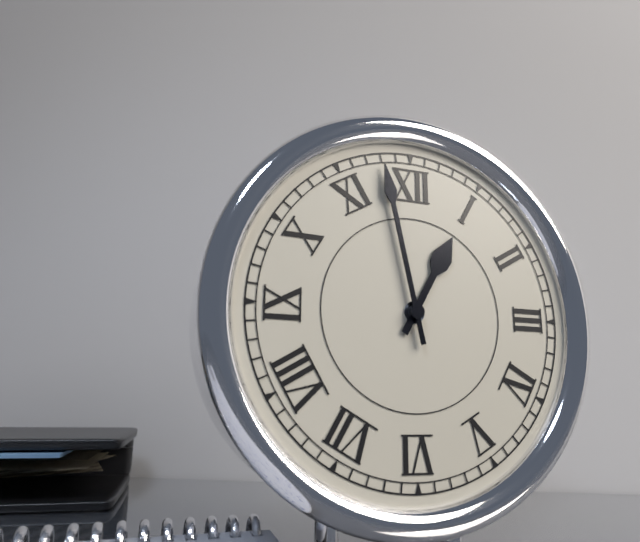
12:58
